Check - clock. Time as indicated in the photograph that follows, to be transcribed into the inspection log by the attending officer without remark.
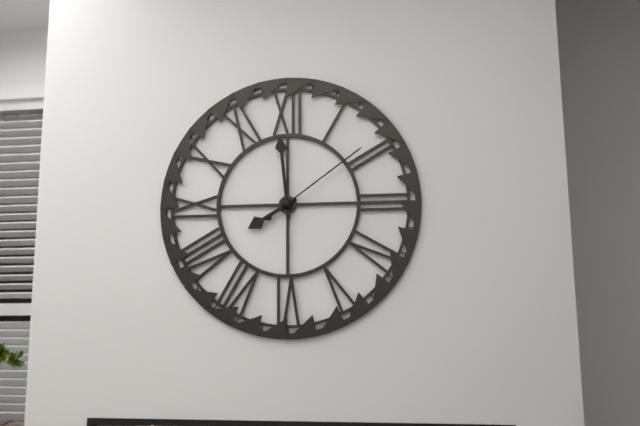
7:59:09
